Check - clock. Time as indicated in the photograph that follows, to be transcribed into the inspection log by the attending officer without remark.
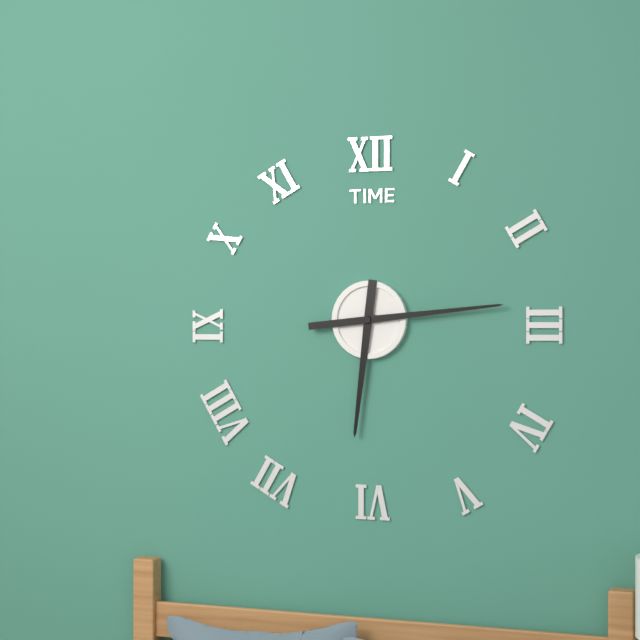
6:14
